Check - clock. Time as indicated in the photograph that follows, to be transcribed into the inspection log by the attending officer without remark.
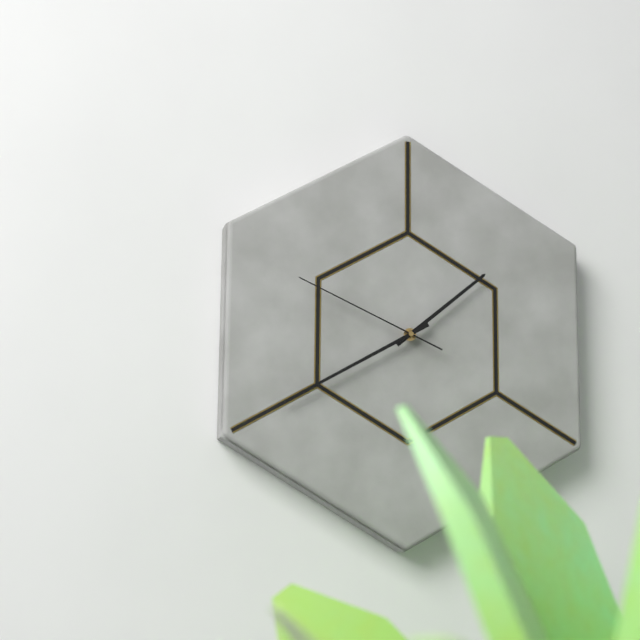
1:40:49
